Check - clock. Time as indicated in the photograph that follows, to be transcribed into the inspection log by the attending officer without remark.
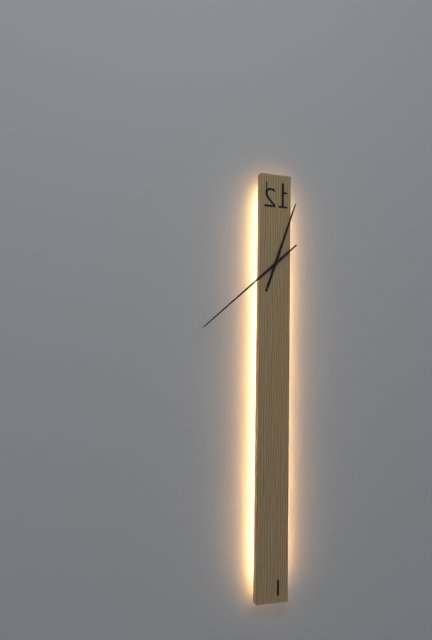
12:38
